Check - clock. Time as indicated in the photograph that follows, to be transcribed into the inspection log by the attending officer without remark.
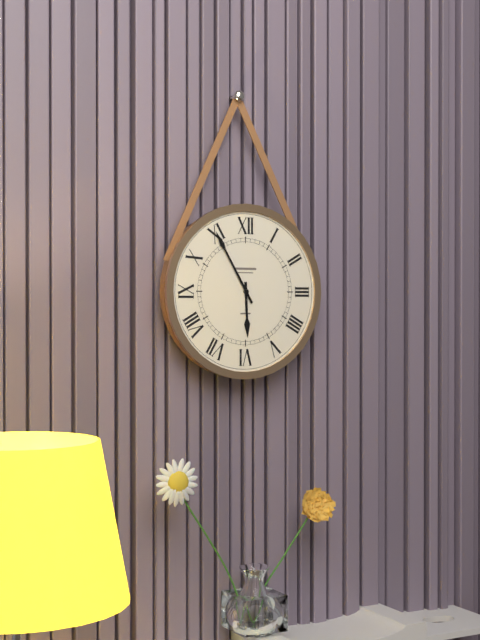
5:55
